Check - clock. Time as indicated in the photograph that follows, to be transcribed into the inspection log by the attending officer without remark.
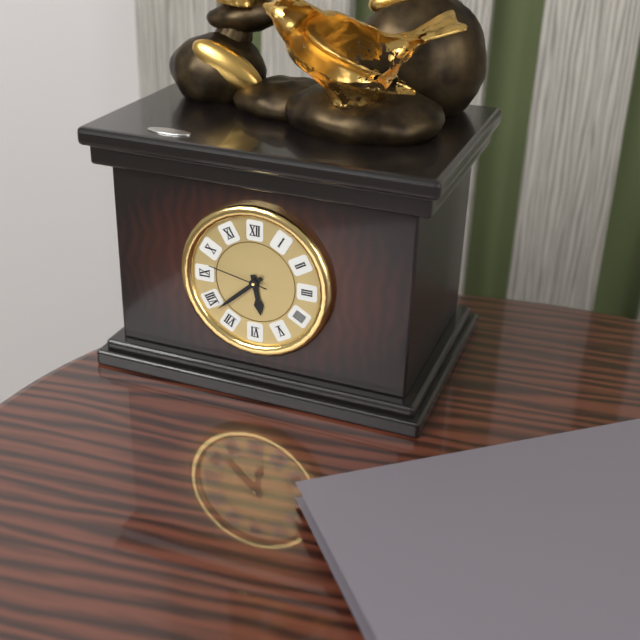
5:38:47
